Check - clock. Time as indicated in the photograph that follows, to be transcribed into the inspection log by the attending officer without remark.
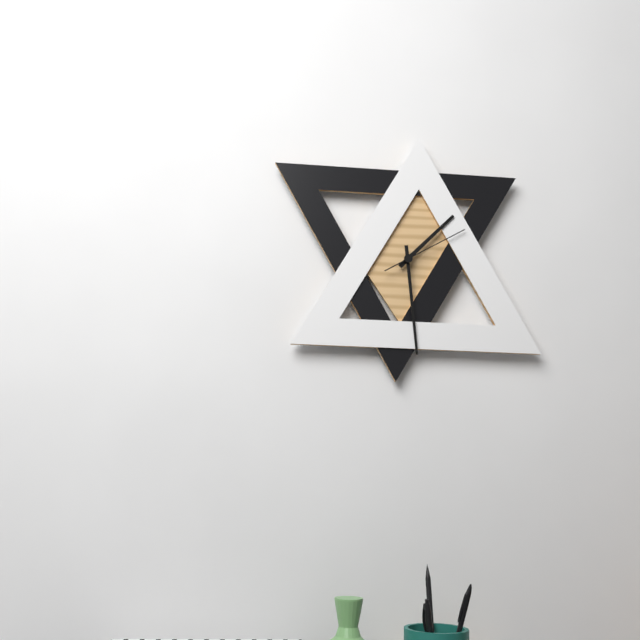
1:29:10
